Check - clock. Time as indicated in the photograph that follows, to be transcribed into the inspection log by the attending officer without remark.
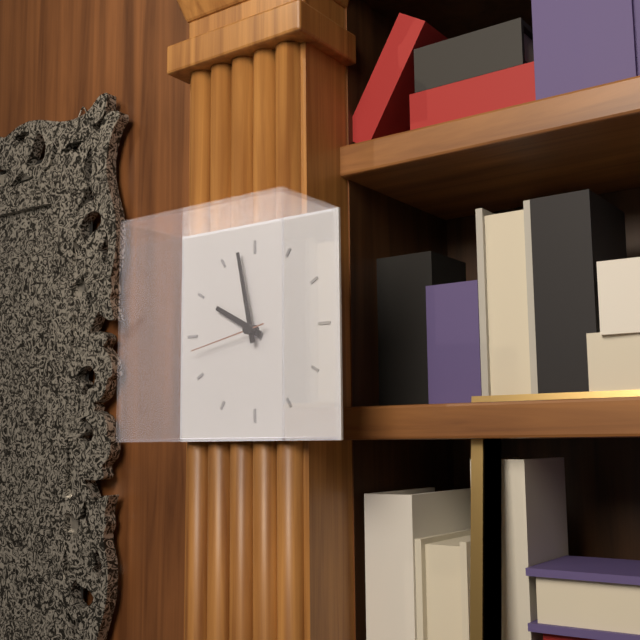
9:58:43
